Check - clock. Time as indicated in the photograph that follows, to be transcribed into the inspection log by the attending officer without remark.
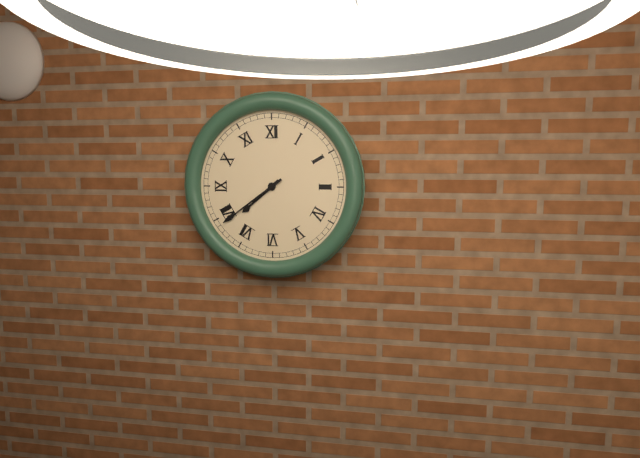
7:39
